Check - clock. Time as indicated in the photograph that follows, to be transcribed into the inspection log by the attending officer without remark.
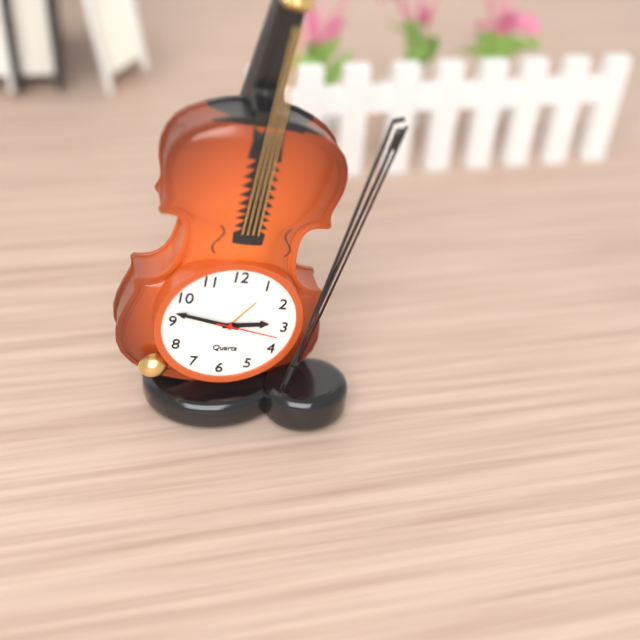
2:47:17
